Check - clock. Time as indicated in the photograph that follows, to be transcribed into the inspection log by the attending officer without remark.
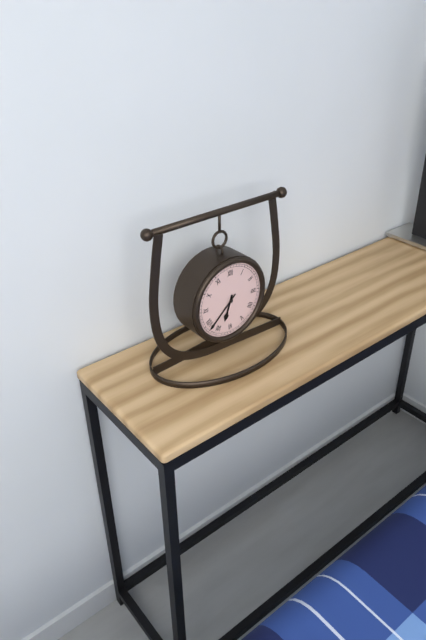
6:38
